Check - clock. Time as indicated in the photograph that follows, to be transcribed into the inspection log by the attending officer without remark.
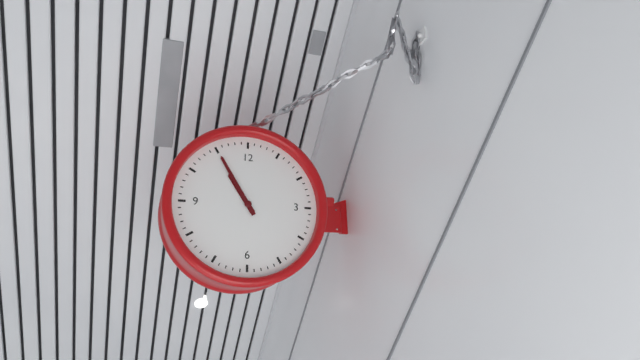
10:55
